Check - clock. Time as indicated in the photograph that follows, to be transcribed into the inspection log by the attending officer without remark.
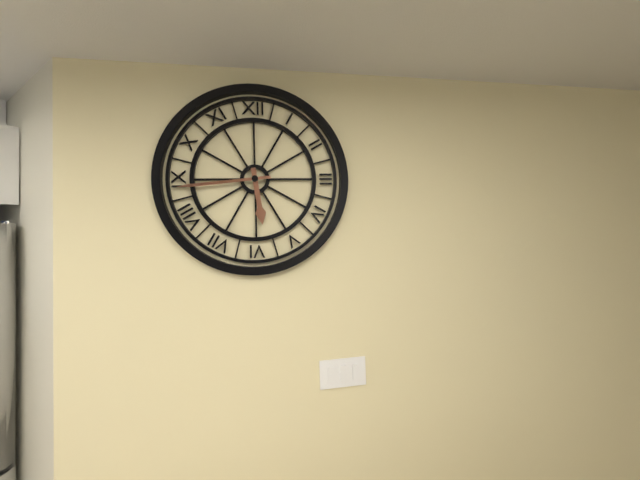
5:44
